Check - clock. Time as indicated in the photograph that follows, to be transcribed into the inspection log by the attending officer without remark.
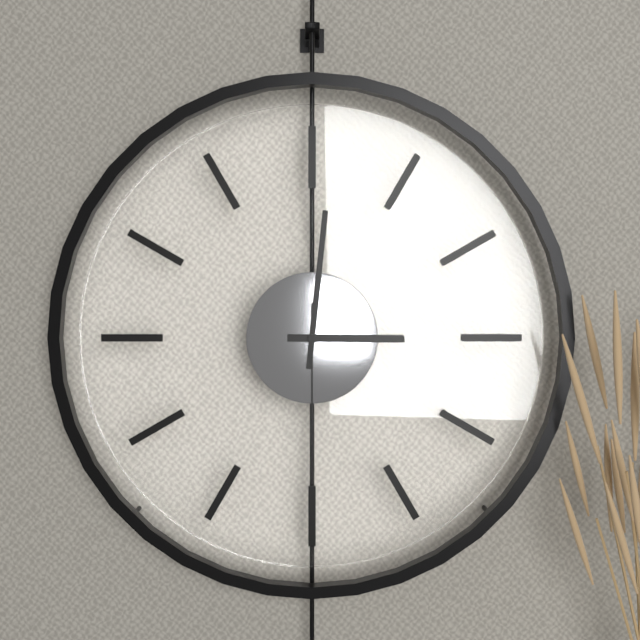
3:01:30
